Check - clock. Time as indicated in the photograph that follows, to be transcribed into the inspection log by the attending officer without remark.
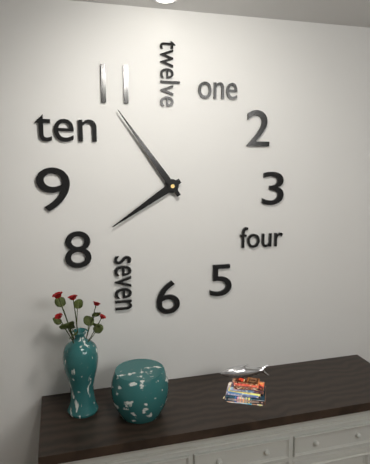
7:54
